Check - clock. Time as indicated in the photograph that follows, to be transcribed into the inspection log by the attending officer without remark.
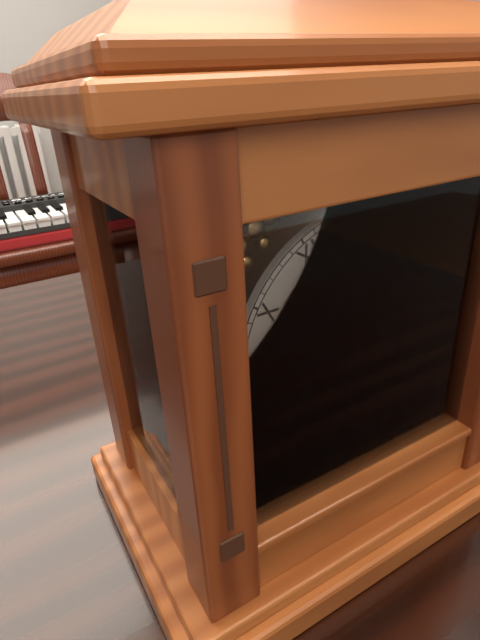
9:29
